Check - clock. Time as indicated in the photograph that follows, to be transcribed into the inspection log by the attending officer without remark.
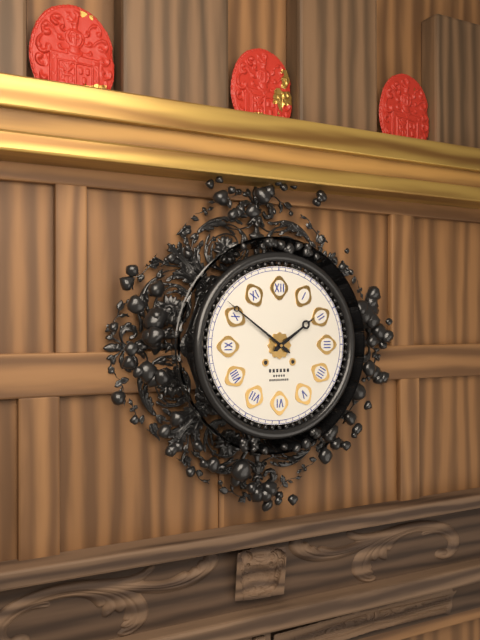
1:51
